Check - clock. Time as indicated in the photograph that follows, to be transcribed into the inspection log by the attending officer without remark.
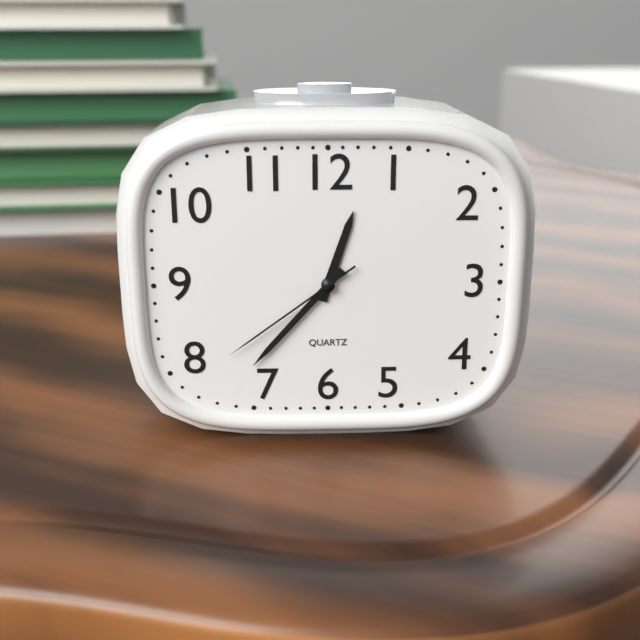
12:37:39
